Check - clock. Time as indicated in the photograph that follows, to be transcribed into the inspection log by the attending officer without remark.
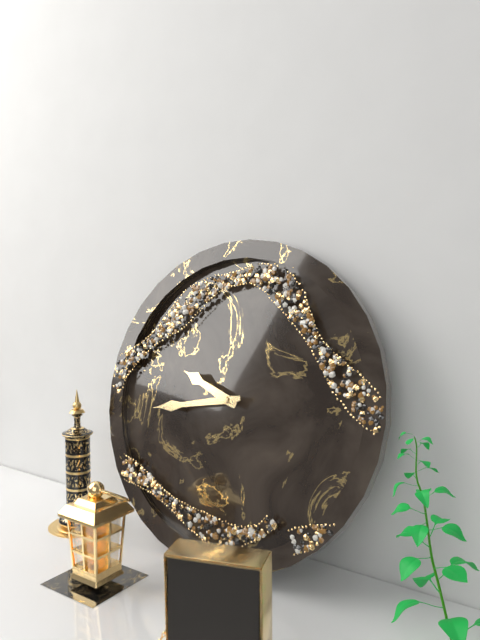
9:43
